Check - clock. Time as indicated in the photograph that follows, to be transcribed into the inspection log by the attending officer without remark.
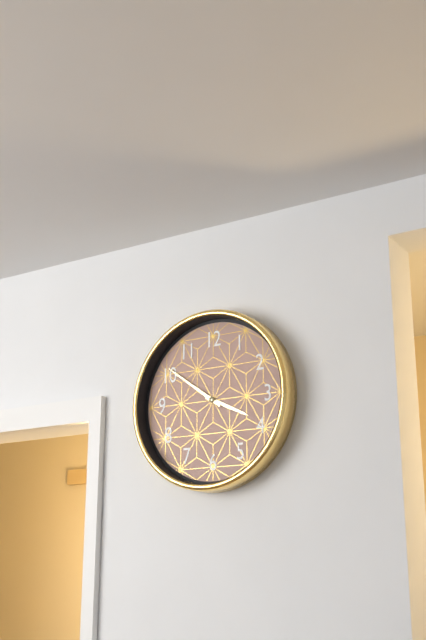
3:51
